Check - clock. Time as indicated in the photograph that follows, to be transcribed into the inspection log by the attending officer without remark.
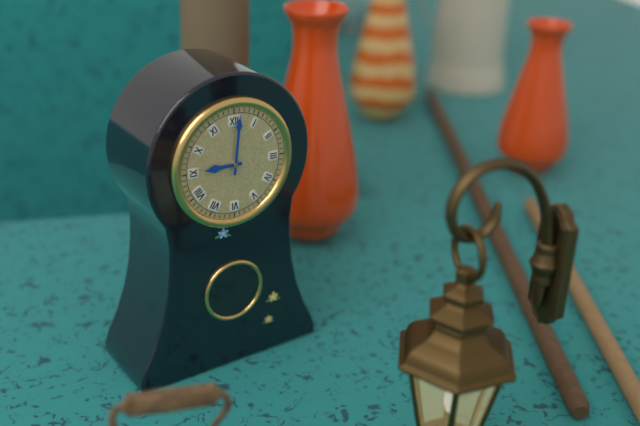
9:01
